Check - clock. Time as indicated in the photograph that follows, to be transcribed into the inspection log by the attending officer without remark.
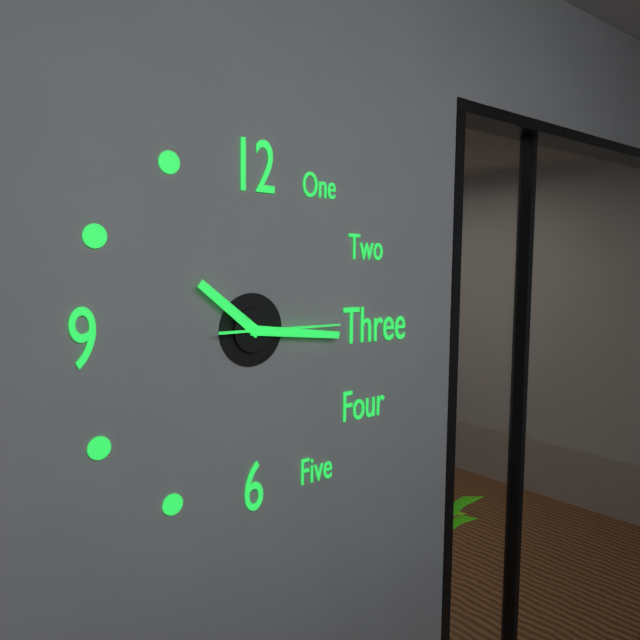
10:16:15
